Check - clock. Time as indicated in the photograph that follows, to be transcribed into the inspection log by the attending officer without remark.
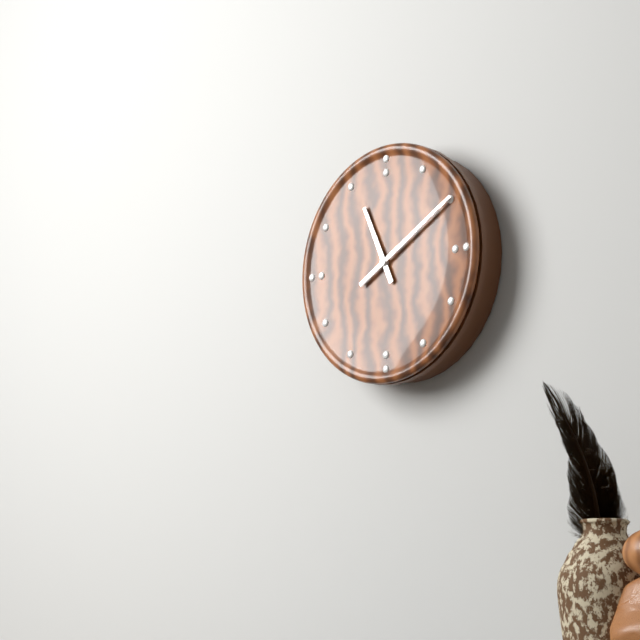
11:10
